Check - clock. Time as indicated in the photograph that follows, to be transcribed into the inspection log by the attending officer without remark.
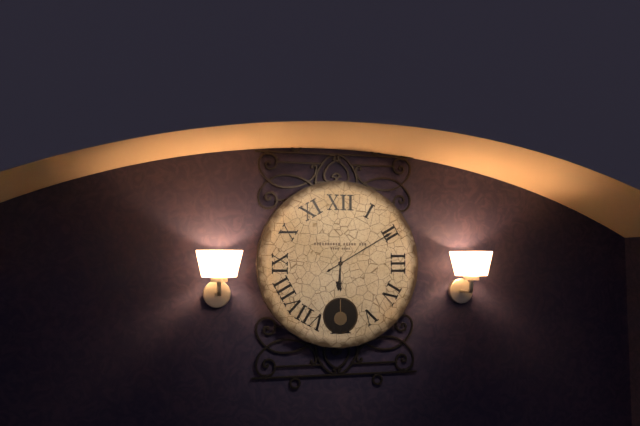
6:10
